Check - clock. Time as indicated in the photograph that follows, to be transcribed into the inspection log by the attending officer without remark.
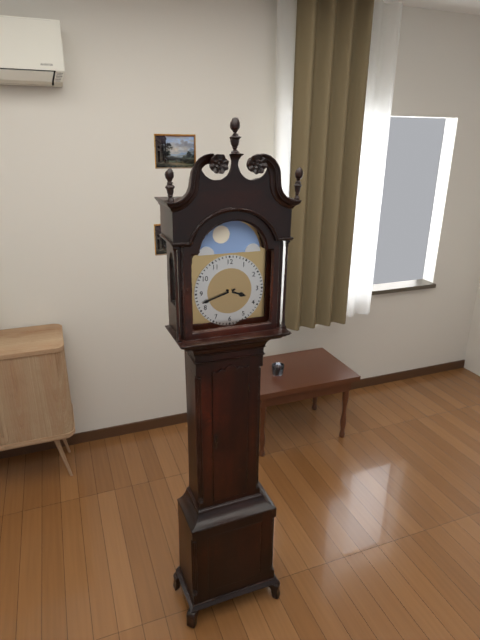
3:42
